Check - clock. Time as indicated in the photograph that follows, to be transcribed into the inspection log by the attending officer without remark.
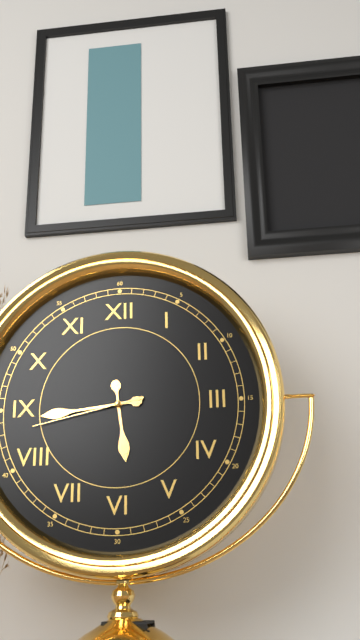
5:44:43
